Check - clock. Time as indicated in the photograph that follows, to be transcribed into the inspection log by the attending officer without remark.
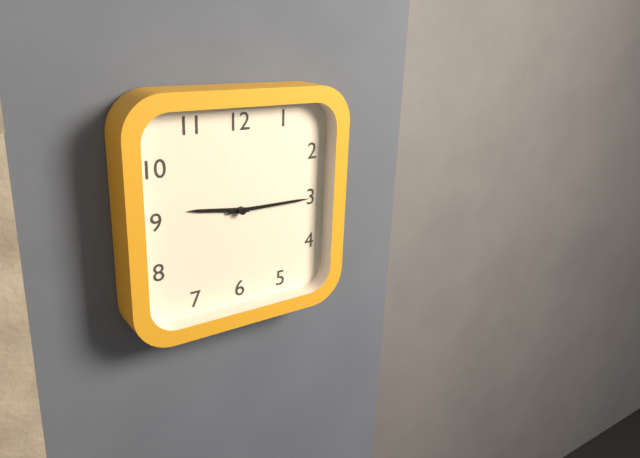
9:15
